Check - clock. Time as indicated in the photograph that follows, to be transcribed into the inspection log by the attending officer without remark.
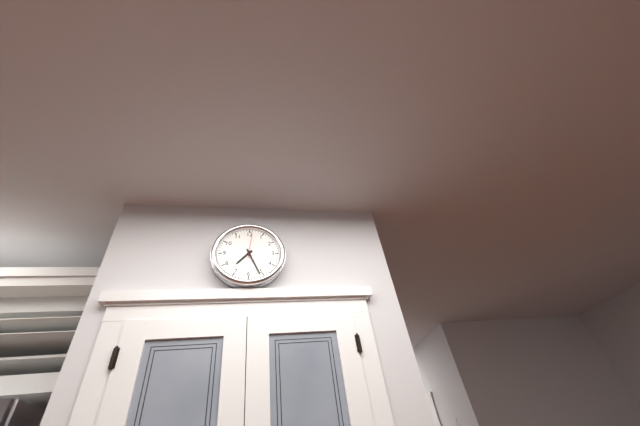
7:26
